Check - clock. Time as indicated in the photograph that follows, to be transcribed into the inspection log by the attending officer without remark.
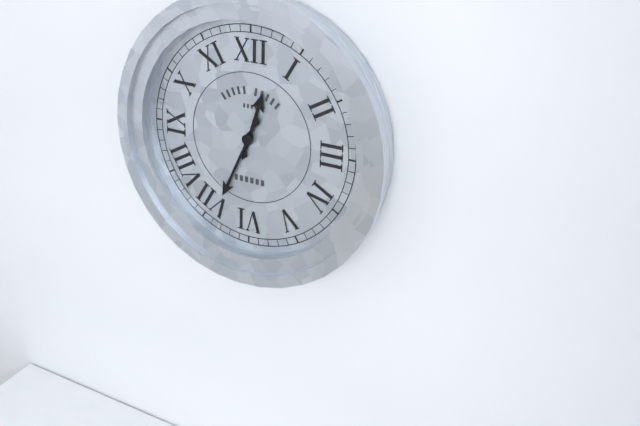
12:34
